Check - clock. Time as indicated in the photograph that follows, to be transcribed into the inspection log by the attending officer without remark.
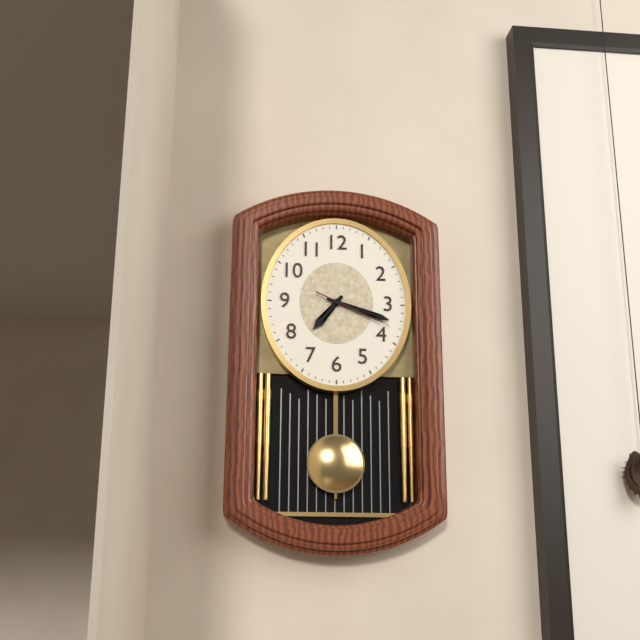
7:18:19
